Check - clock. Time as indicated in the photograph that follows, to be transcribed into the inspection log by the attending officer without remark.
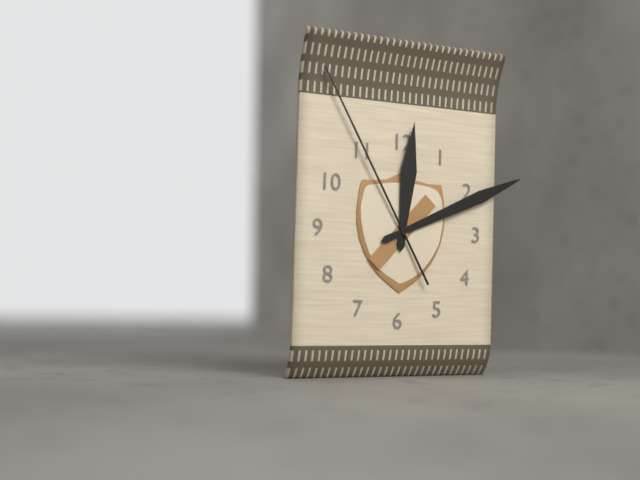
12:11:55
